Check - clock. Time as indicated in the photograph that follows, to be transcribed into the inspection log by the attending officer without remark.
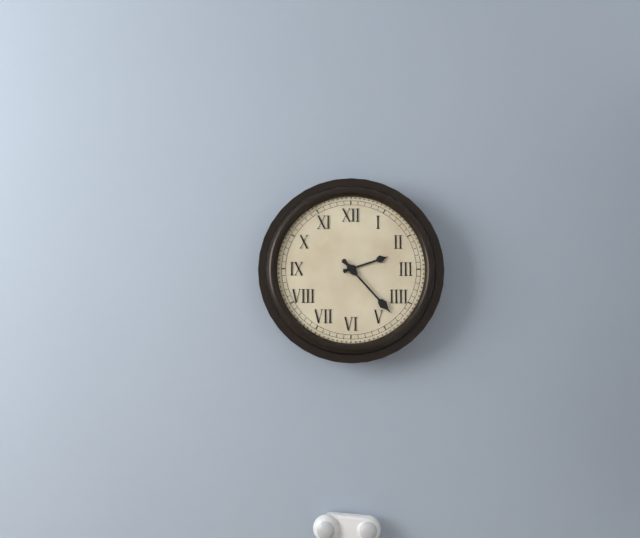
2:23
